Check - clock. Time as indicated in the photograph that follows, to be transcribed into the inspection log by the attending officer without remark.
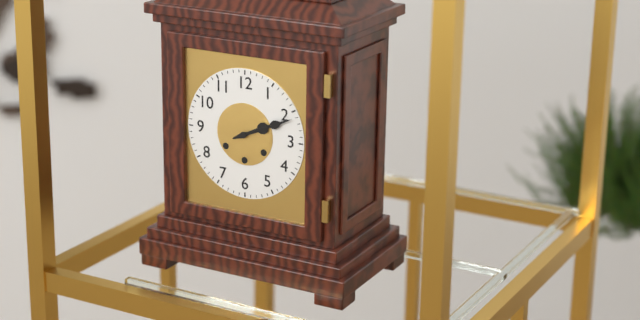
2:11
